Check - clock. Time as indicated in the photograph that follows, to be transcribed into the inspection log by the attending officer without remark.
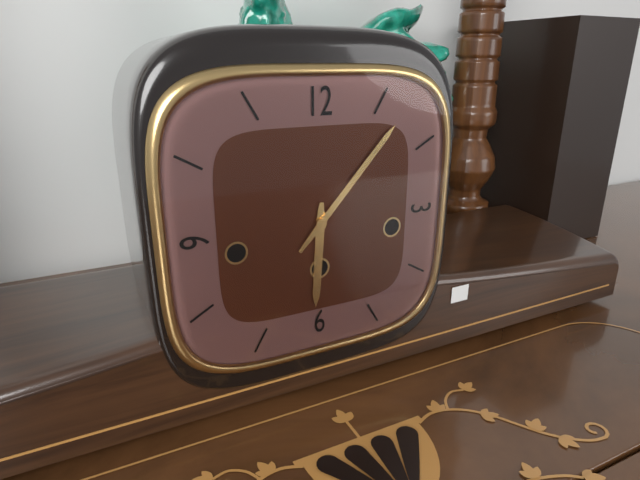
6:07
